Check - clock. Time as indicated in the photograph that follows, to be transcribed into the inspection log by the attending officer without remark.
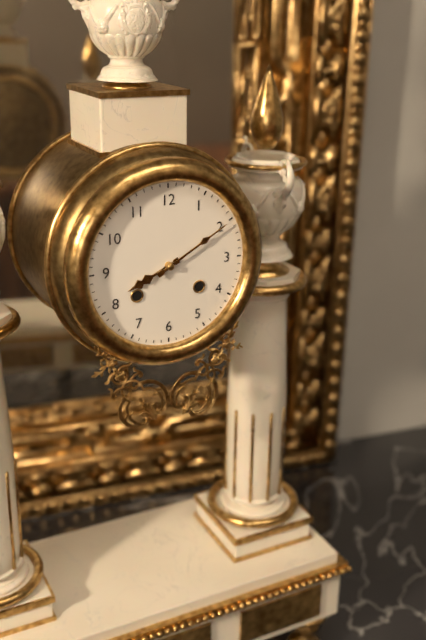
8:10
